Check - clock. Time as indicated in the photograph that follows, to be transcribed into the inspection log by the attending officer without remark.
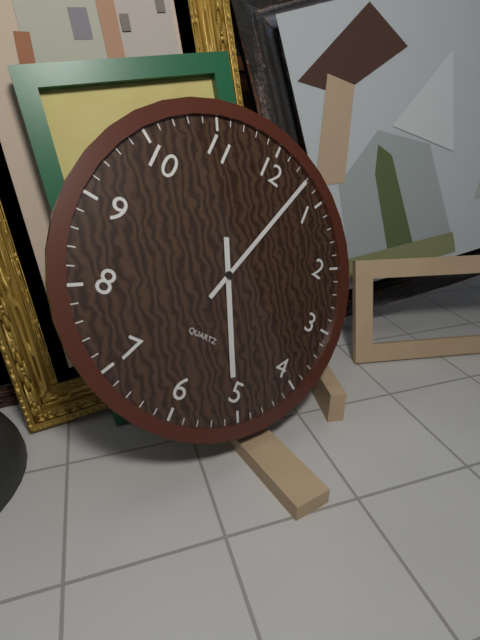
5:03
